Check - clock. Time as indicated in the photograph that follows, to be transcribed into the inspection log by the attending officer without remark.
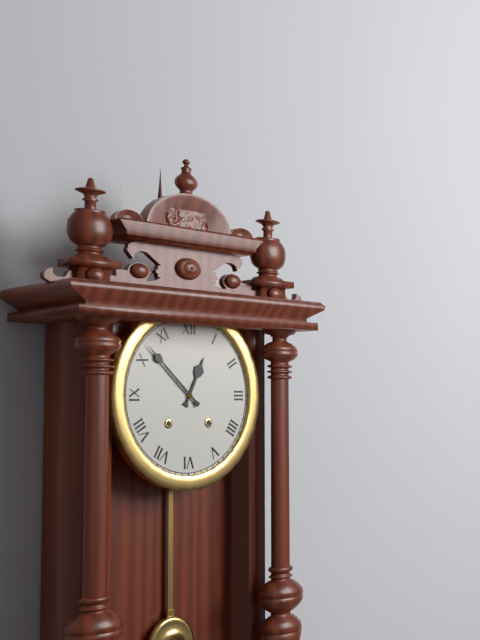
12:52
